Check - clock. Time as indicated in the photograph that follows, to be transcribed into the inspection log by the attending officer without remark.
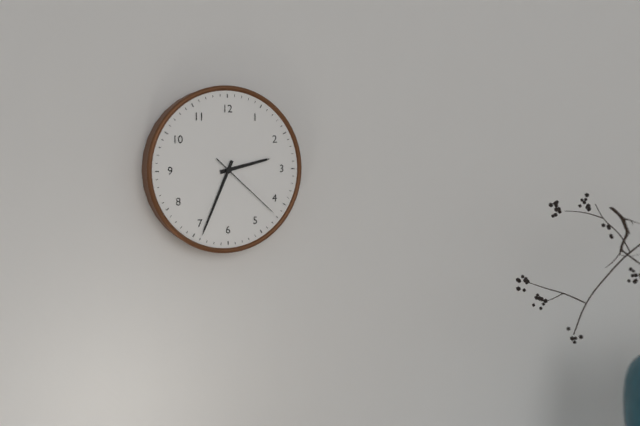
2:34:22
